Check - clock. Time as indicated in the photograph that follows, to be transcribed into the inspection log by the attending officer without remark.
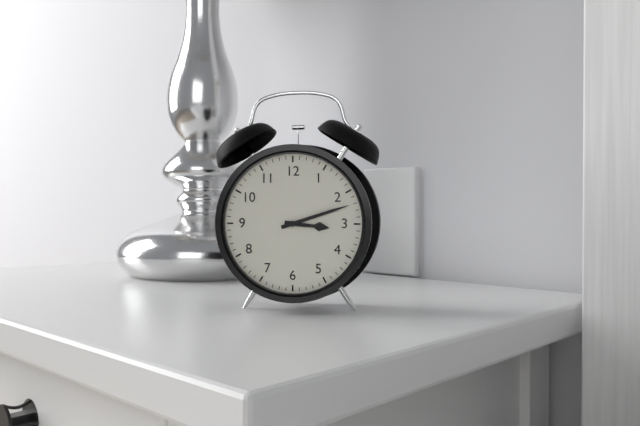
3:12
